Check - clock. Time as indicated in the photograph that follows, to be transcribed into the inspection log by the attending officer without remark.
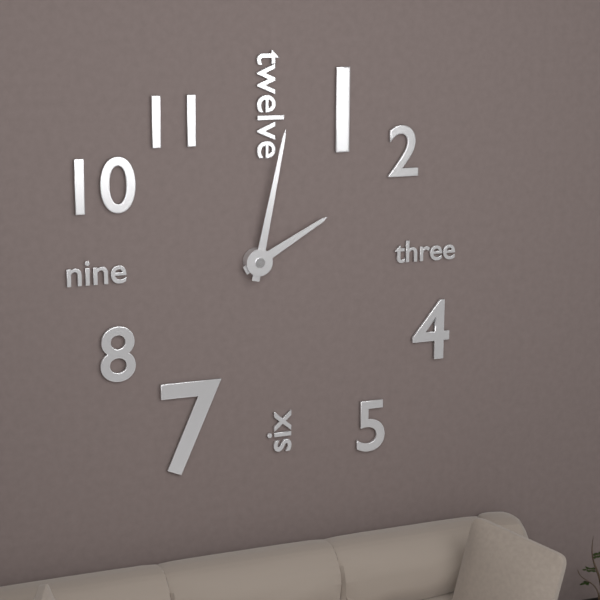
2:02
